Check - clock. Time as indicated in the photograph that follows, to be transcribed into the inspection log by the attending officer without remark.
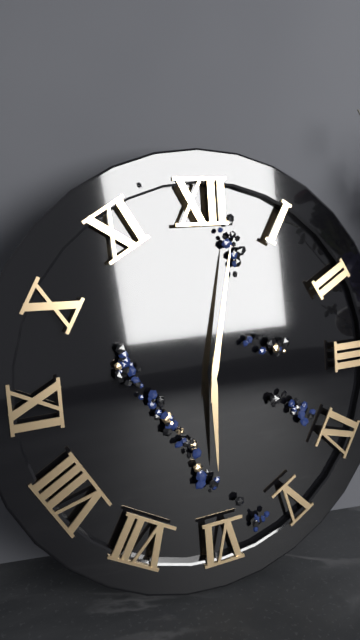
6:02
